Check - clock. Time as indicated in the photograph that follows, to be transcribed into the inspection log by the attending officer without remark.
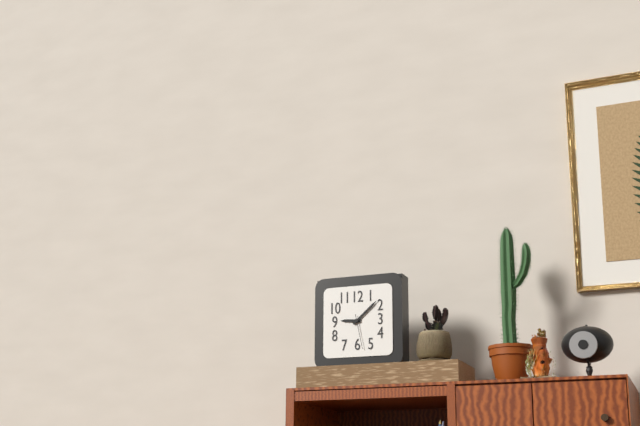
9:08
